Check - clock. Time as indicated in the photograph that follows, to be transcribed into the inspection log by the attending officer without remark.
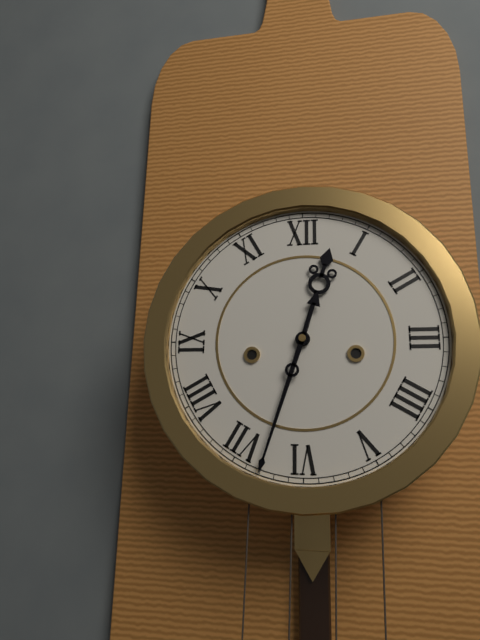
12:33
